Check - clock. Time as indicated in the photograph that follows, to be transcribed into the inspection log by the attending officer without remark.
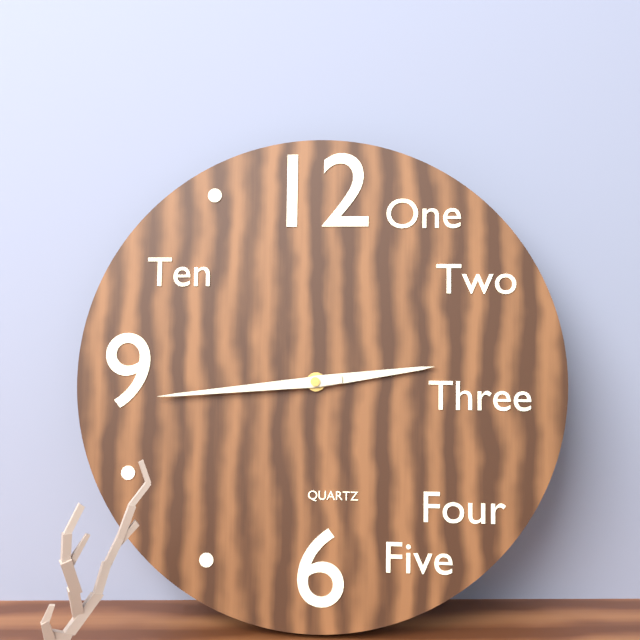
2:44
